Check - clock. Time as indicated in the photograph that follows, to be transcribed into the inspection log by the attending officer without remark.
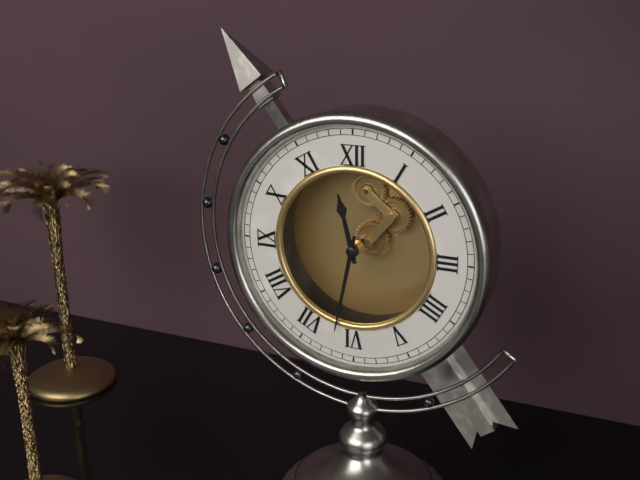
11:32
